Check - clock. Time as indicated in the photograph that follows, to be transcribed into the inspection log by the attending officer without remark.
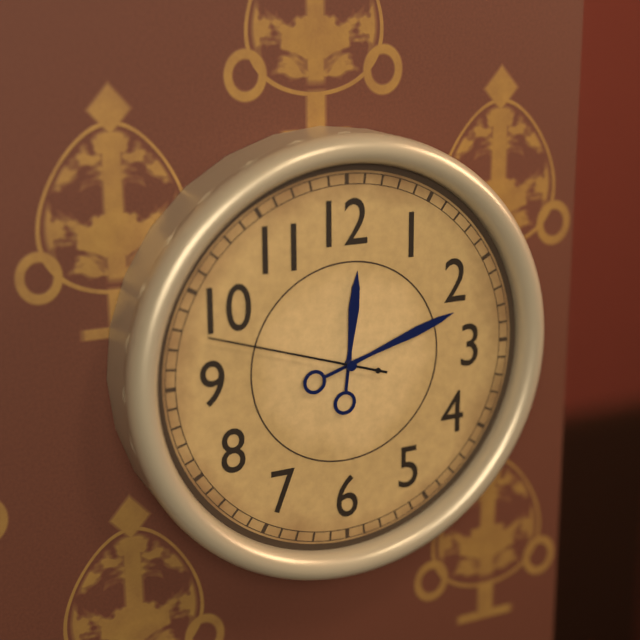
12:12:48
